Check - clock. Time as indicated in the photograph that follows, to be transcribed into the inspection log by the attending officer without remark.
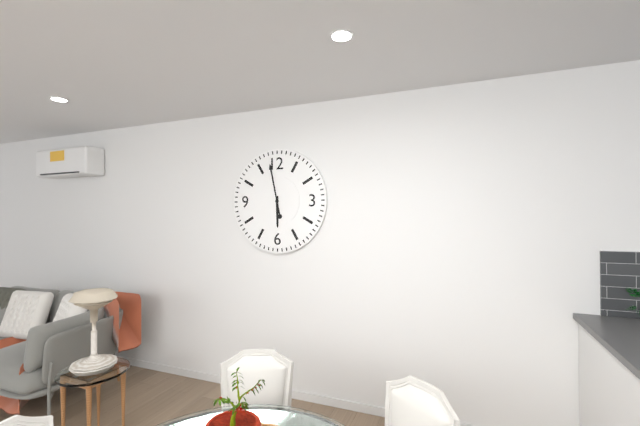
5:58
